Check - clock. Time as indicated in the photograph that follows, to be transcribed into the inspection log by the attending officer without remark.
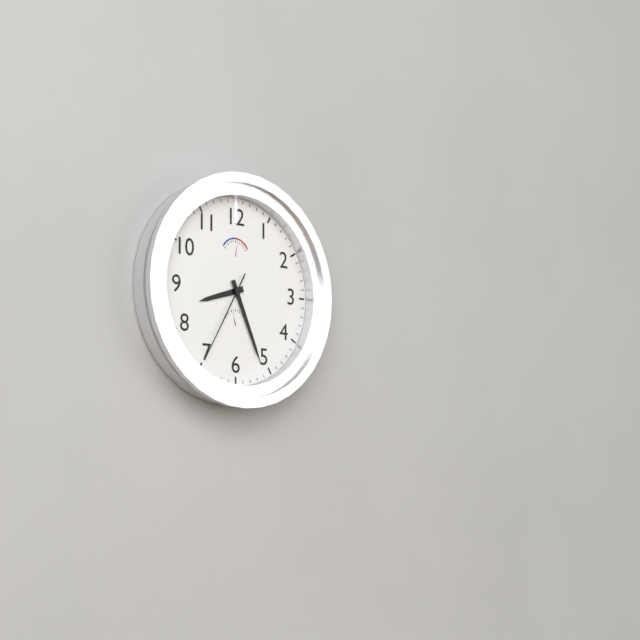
8:26:35
